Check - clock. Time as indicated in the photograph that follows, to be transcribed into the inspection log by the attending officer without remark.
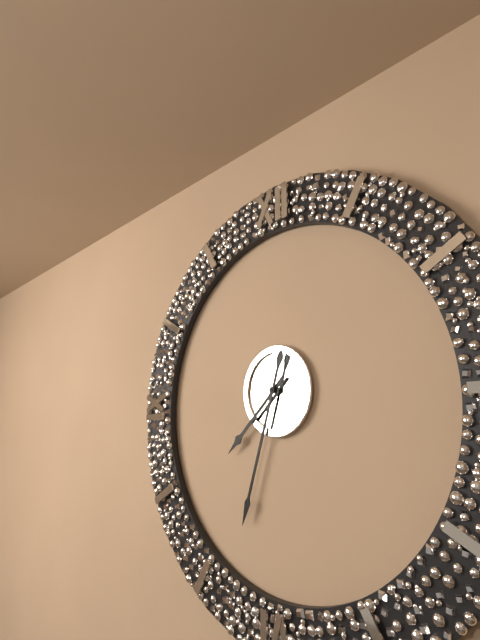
7:33
